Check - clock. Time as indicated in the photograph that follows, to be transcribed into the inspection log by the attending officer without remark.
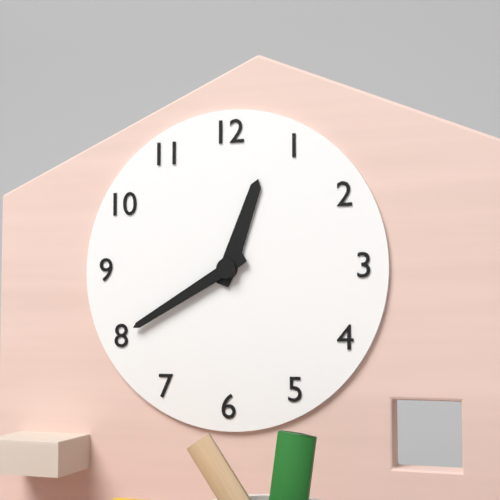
12:40
